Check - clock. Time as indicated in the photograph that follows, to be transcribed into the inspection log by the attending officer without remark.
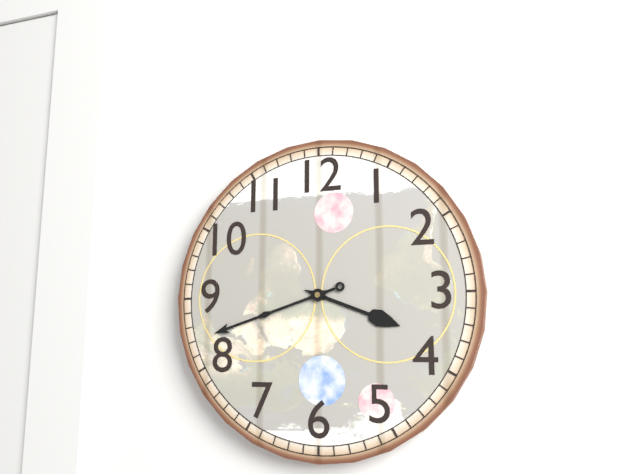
3:42
